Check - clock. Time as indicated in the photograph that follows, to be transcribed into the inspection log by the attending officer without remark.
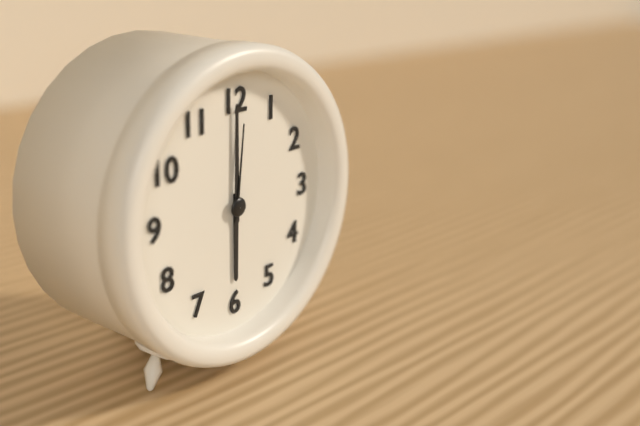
6:00:01
